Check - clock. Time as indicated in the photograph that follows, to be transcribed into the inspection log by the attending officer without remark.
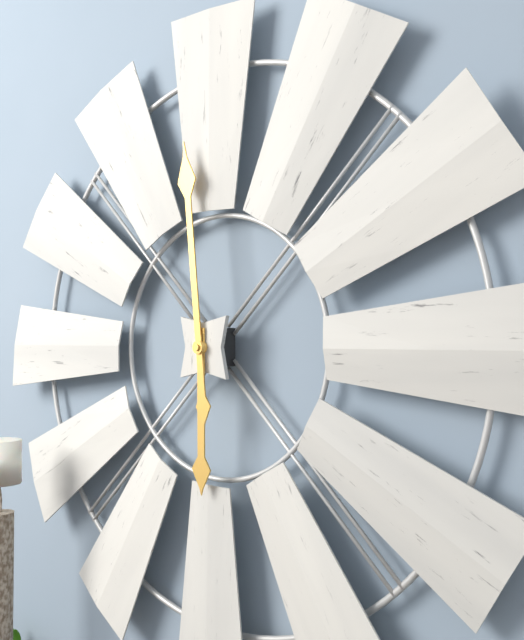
5:59
